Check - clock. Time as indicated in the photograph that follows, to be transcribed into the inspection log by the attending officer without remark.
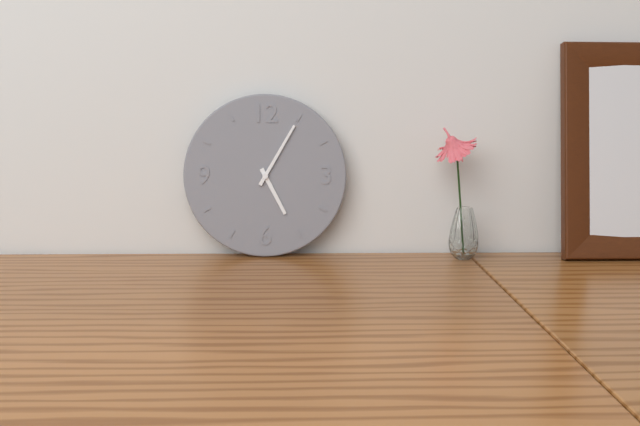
5:05
